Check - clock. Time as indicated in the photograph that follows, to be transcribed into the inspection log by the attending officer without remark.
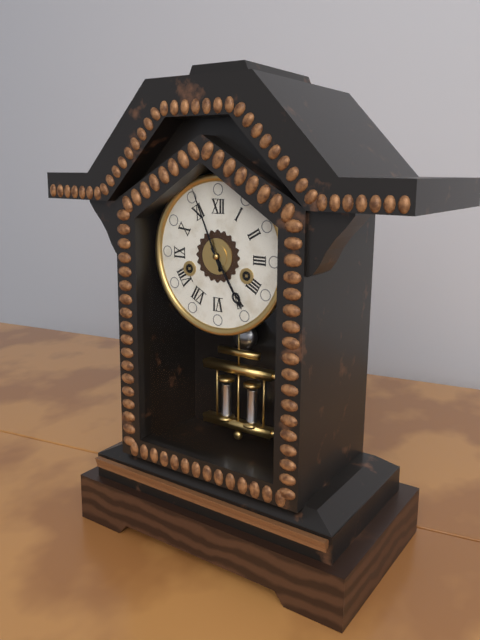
4:56
